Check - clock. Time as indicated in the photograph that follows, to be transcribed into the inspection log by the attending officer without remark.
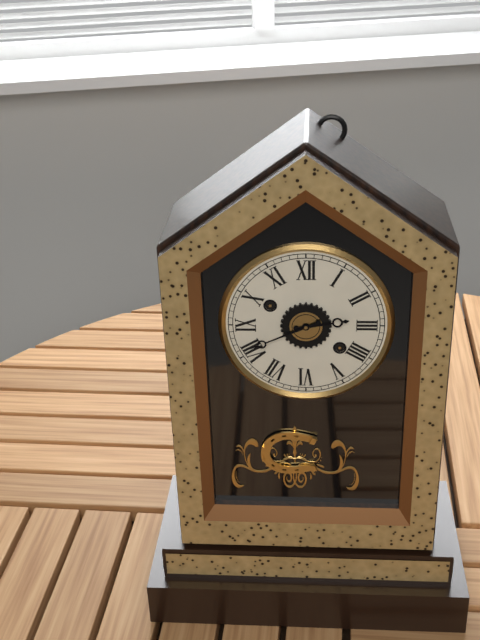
2:41
